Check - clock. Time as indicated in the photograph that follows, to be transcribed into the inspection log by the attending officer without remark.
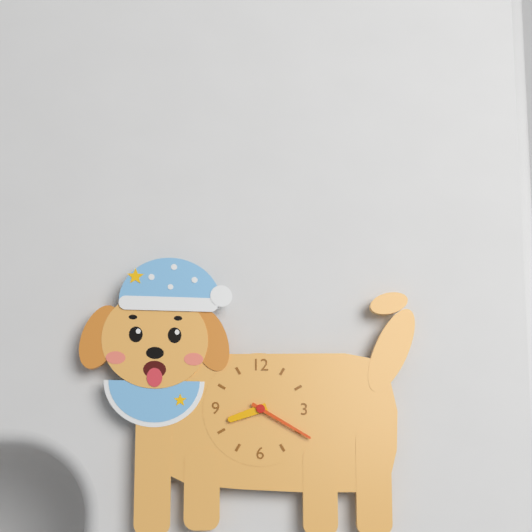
8:20
